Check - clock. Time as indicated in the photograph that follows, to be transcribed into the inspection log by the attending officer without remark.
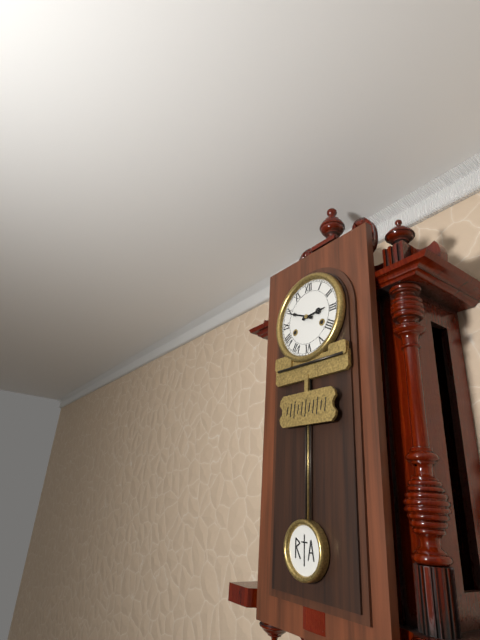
2:49
